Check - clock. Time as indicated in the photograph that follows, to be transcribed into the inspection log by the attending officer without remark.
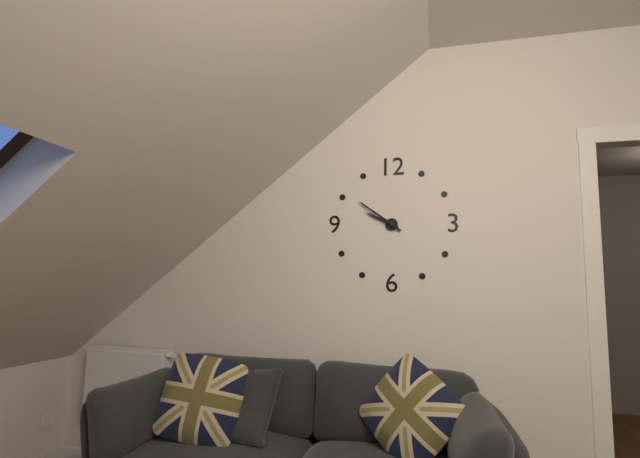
9:51
